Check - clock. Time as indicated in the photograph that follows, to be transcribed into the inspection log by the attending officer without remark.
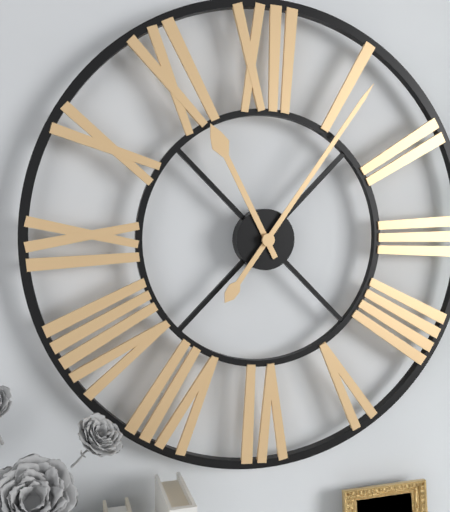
11:06
